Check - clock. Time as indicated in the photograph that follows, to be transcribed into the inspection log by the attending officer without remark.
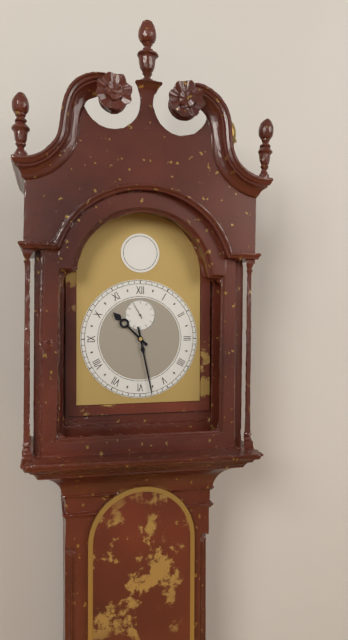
10:28
